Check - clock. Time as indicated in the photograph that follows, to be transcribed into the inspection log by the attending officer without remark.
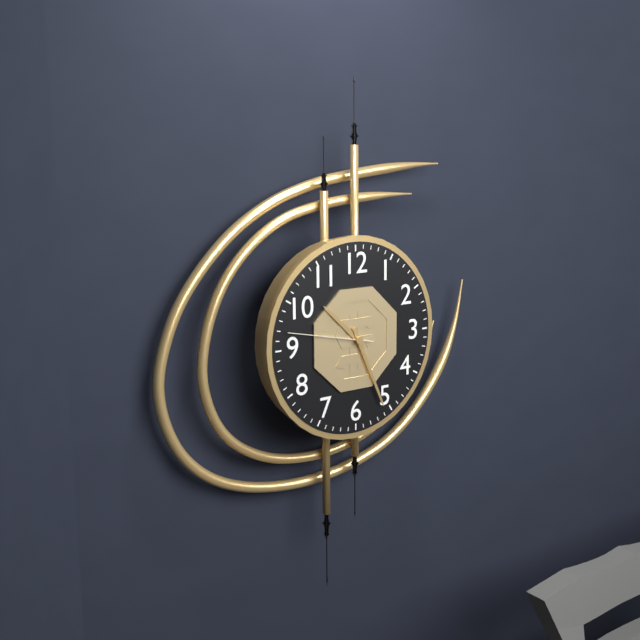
10:26:47
